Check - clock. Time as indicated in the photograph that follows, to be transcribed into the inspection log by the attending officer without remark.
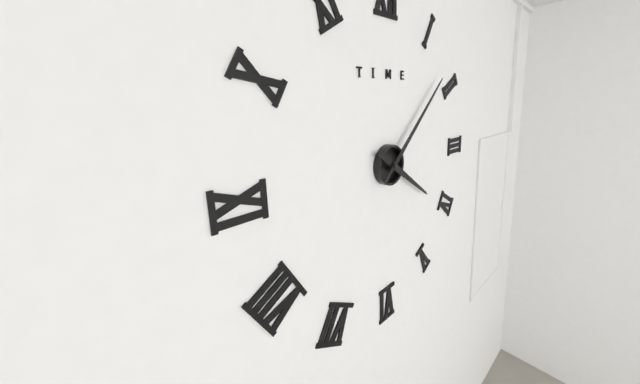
4:08
